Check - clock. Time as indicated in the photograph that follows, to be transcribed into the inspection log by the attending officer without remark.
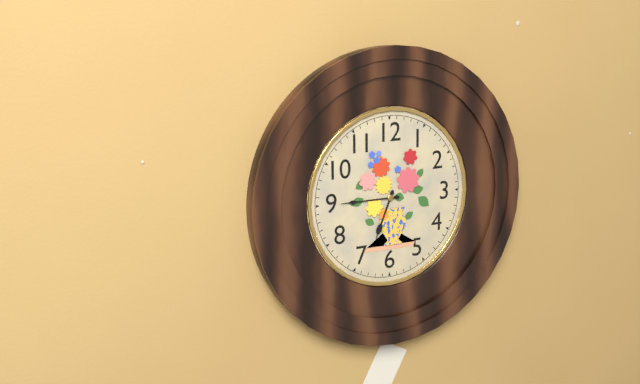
6:45
